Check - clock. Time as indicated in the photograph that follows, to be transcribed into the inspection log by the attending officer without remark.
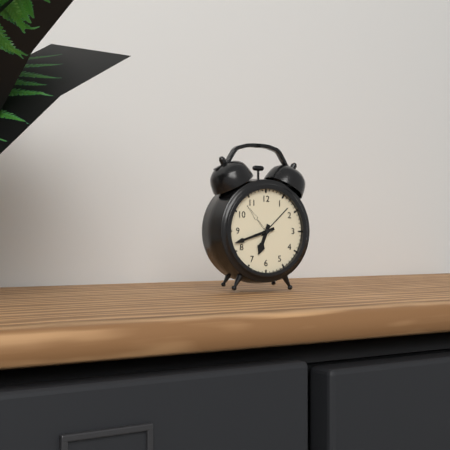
6:42
